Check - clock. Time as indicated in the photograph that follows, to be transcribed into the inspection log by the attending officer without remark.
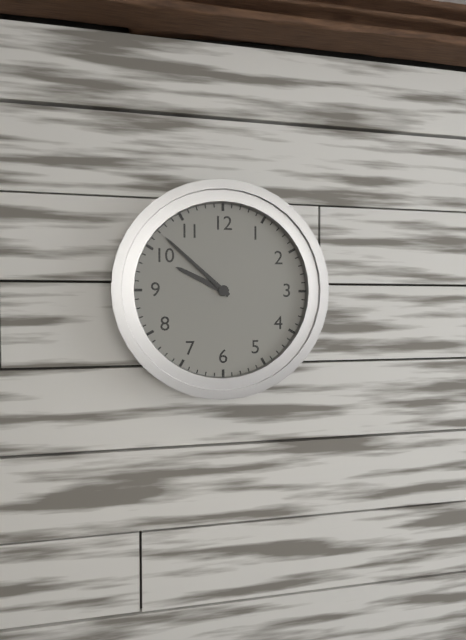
9:52
